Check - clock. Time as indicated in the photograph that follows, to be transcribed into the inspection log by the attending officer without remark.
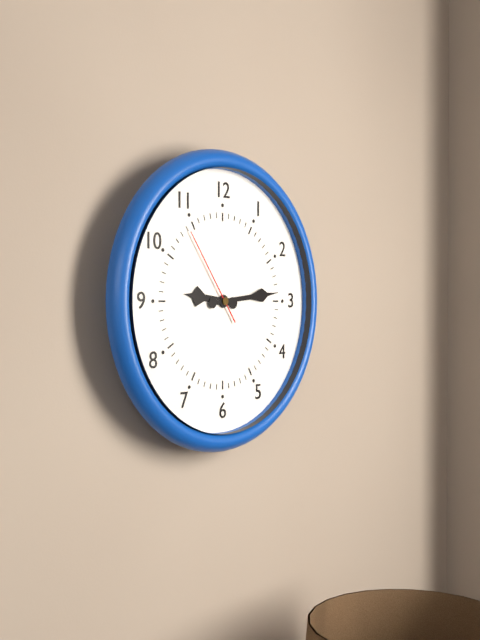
9:14:54
